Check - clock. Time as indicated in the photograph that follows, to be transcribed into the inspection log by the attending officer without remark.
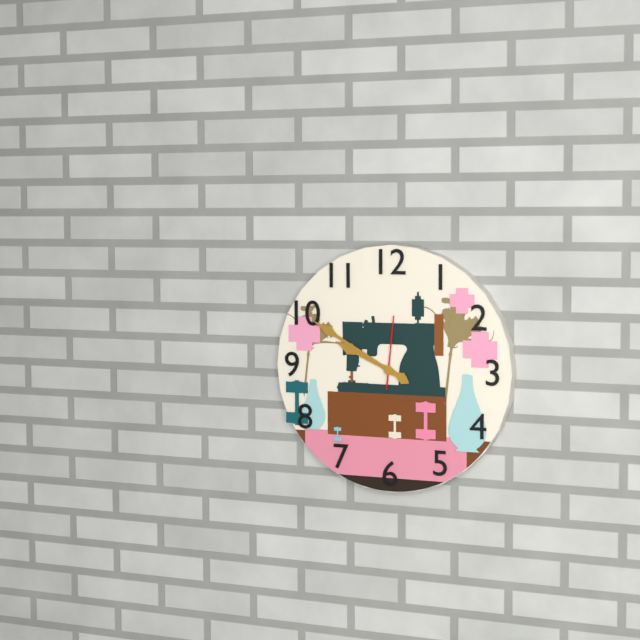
9:50:01
